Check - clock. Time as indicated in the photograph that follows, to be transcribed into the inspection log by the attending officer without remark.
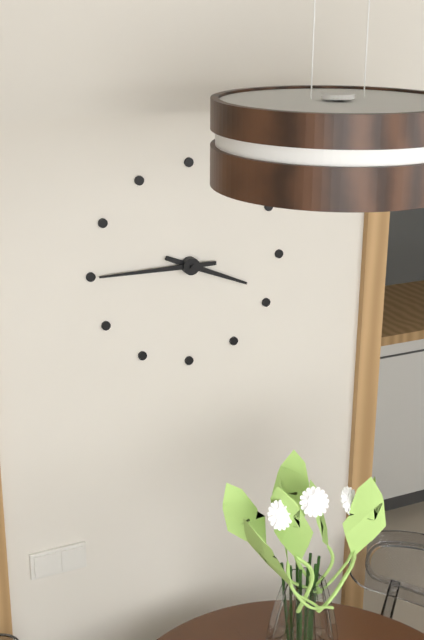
3:45
